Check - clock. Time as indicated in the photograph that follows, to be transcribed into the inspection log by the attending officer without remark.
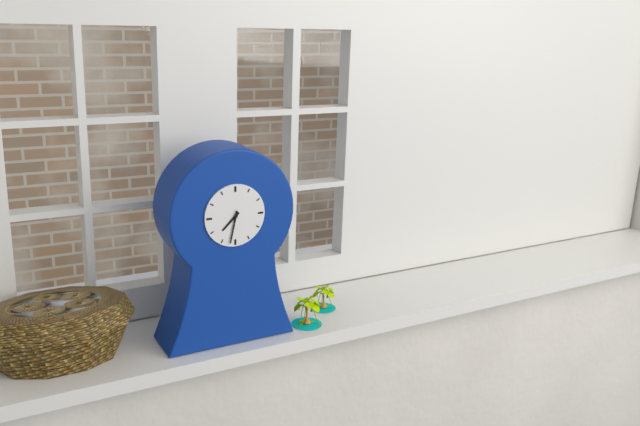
7:32
